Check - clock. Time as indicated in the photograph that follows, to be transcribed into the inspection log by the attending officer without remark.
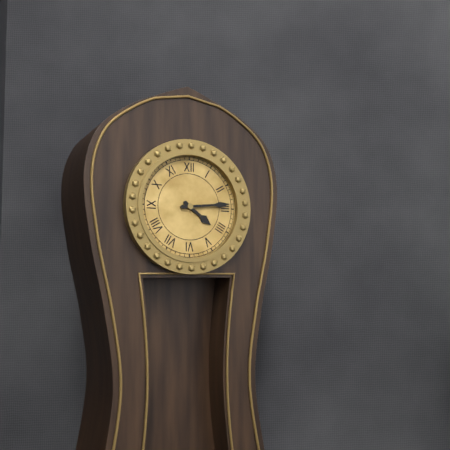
4:14
